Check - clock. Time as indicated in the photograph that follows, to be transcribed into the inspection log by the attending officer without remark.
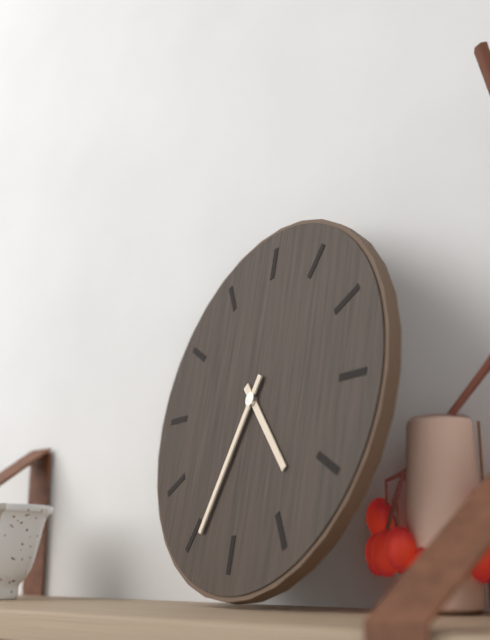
4:34
